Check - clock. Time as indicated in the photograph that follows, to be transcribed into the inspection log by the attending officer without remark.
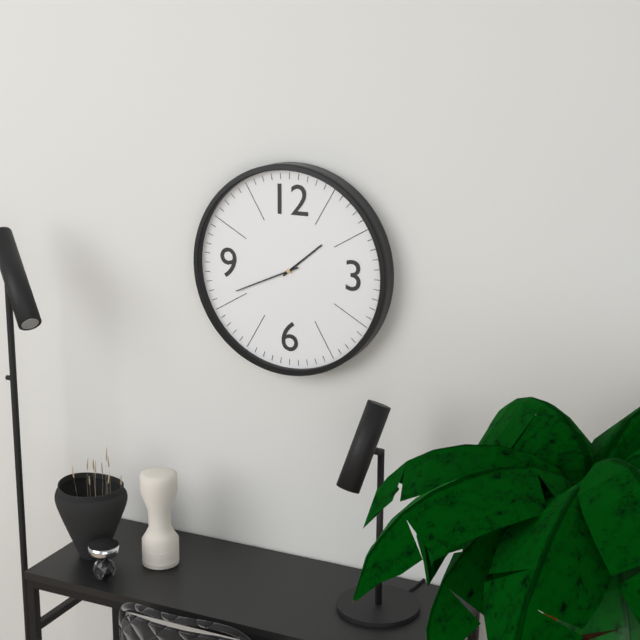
1:41
